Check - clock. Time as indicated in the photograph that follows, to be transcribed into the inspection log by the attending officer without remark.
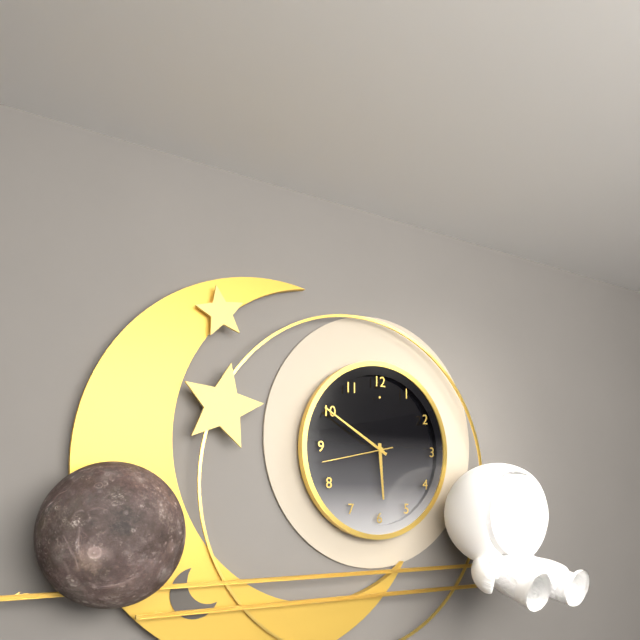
5:50:43
